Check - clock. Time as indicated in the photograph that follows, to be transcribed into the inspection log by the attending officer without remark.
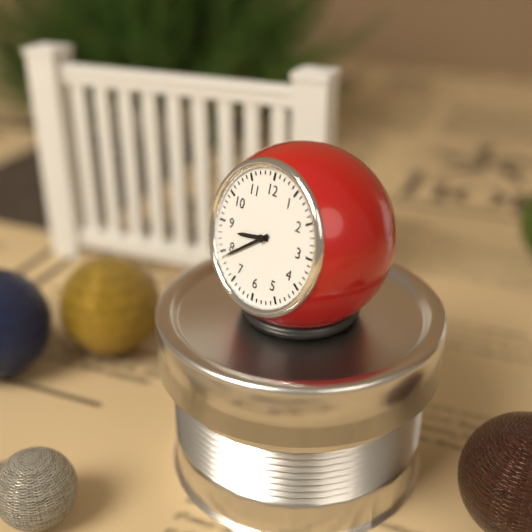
8:39
